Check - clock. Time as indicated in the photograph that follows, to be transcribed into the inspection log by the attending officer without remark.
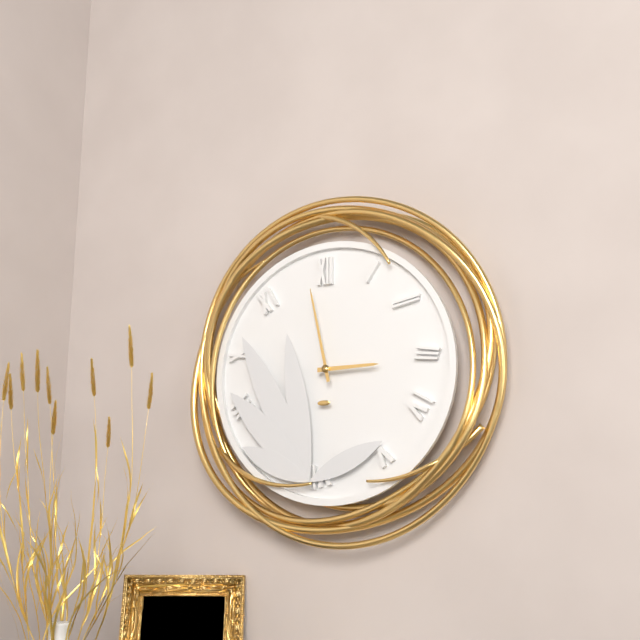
2:58
